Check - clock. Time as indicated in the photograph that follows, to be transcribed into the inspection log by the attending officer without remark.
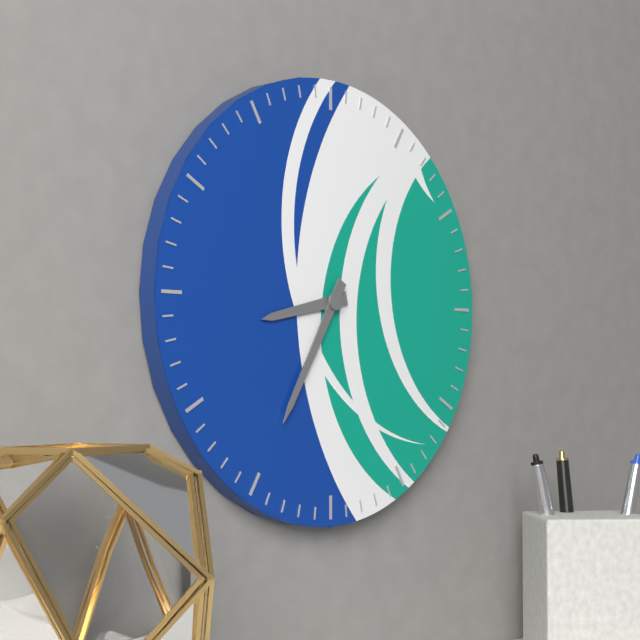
8:35
